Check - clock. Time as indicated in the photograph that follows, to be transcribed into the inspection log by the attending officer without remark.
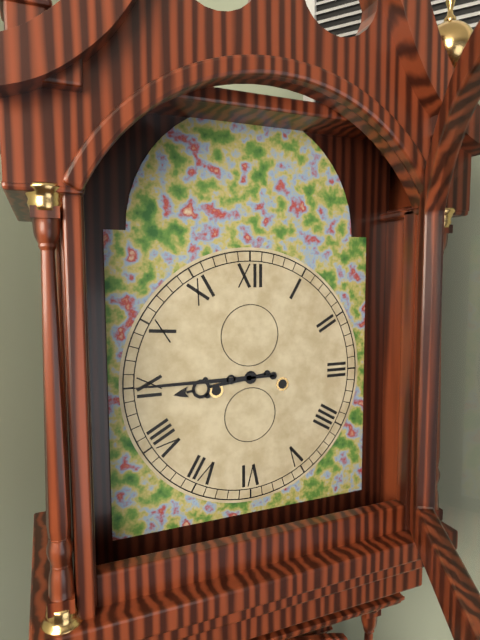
8:45
